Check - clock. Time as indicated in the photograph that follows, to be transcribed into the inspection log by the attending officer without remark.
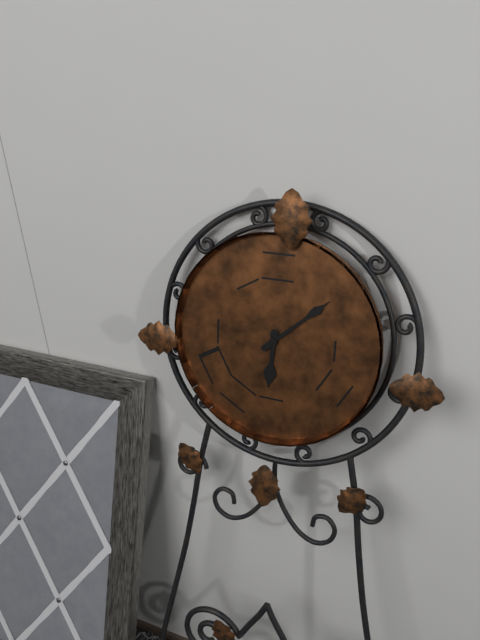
6:08
